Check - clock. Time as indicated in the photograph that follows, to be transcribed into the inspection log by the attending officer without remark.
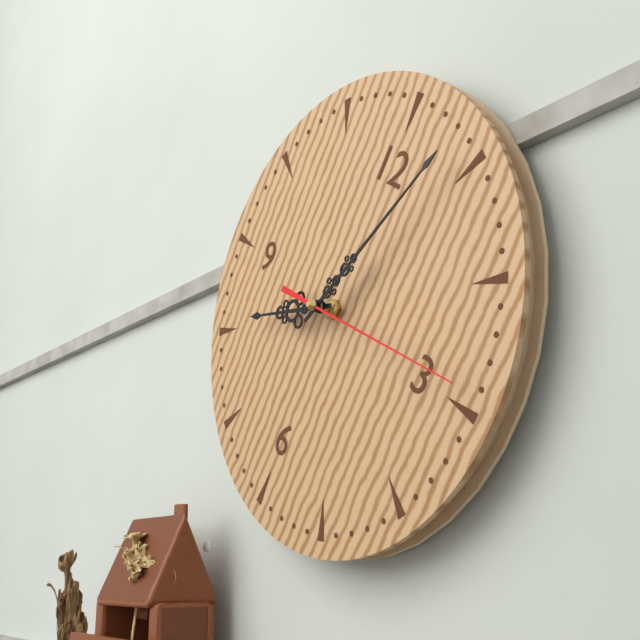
8:04:14
